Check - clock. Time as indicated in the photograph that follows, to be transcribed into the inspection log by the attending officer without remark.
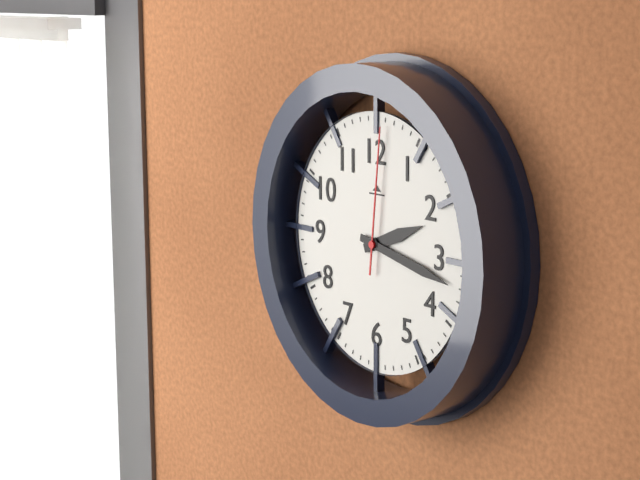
2:17:01
